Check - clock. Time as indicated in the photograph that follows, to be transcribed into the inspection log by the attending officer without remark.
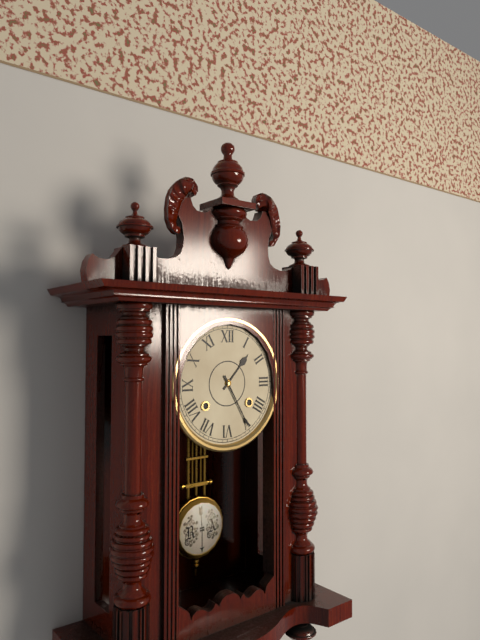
1:25
